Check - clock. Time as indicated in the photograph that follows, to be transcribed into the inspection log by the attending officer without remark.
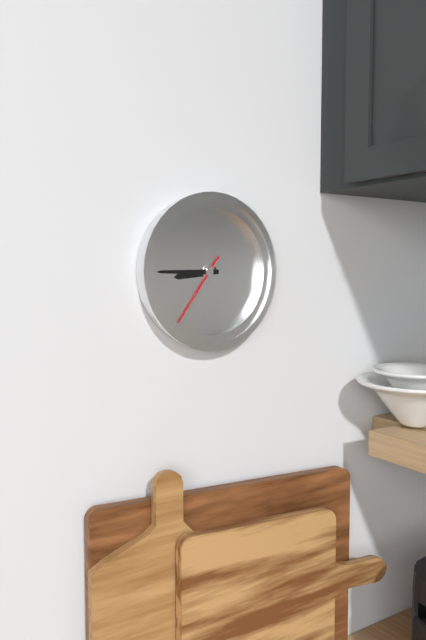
8:45:36
